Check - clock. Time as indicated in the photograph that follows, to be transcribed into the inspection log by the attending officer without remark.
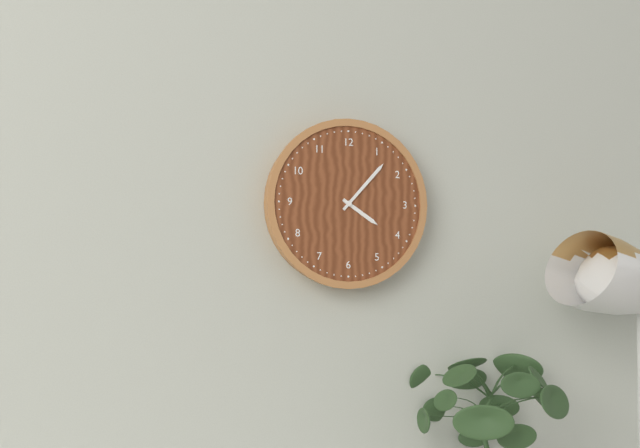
4:07
